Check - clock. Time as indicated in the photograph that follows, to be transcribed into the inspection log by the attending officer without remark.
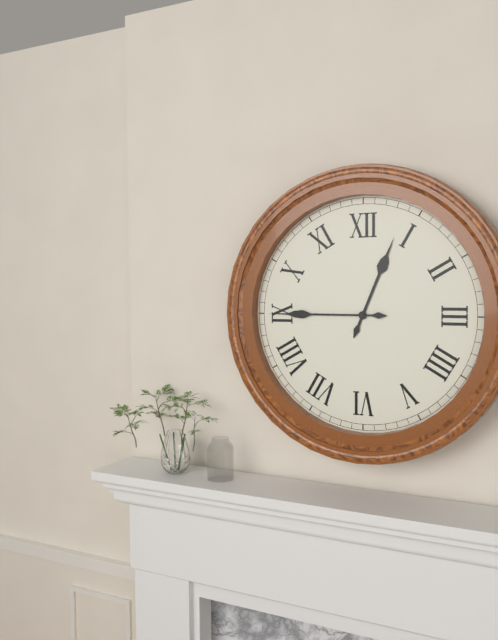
12:45
